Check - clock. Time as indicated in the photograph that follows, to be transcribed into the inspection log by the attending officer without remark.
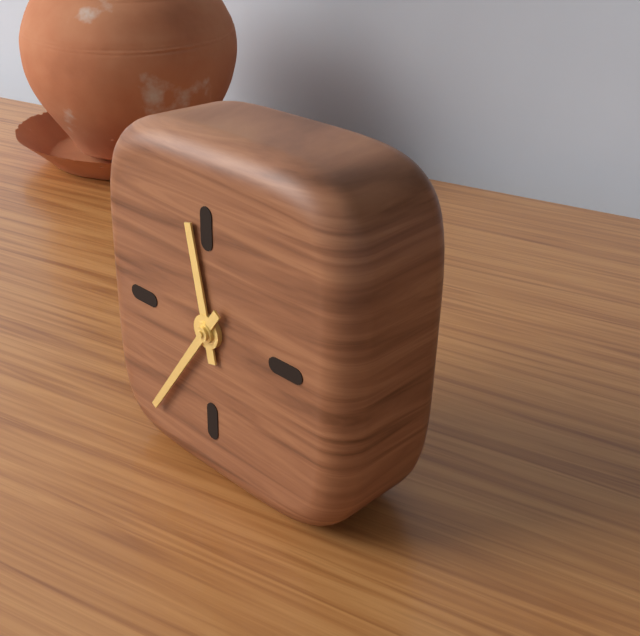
11:36
